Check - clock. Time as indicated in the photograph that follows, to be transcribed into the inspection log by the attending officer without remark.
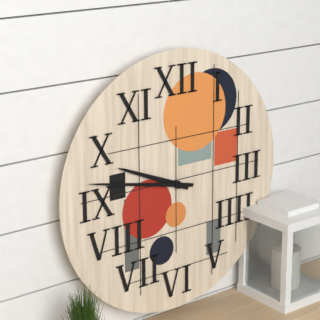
9:47
